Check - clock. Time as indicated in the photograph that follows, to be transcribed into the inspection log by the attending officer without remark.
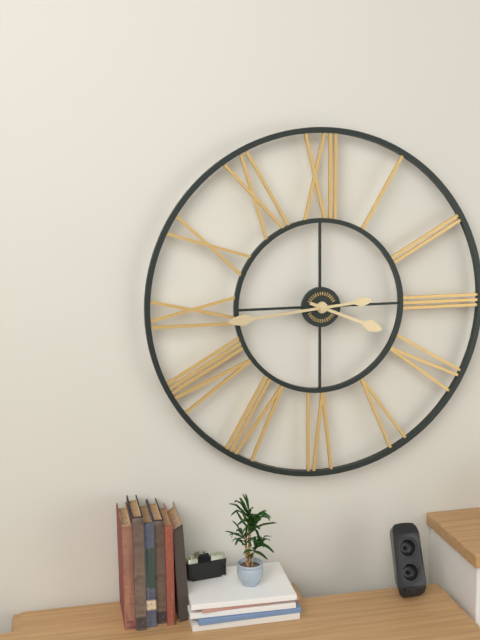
3:44
